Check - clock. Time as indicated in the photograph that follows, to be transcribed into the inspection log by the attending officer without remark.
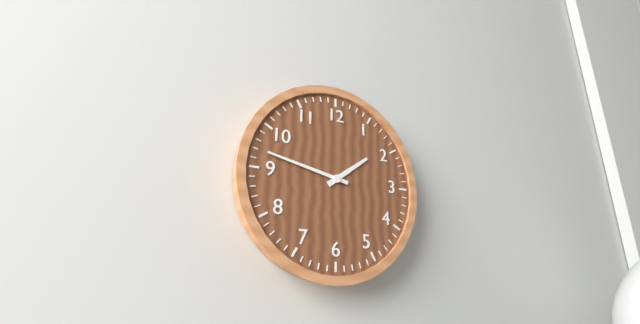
1:47
